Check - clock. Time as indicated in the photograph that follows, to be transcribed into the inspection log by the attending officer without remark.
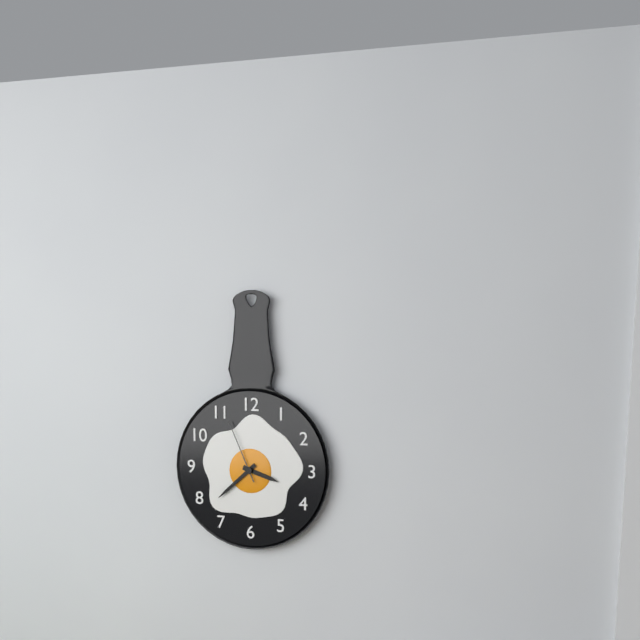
3:38:56
